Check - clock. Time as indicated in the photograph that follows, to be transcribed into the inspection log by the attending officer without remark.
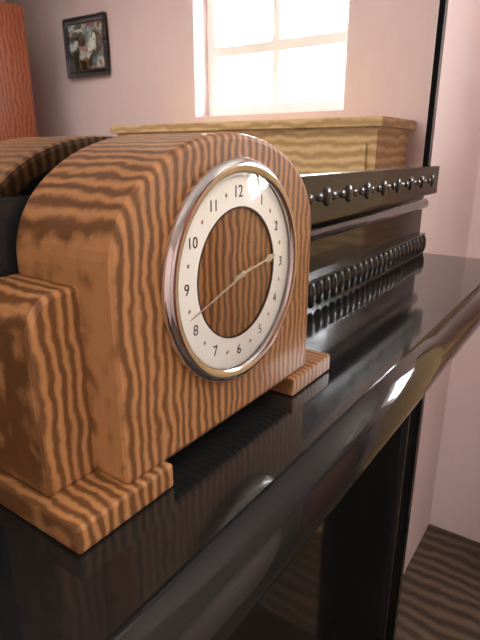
2:42
